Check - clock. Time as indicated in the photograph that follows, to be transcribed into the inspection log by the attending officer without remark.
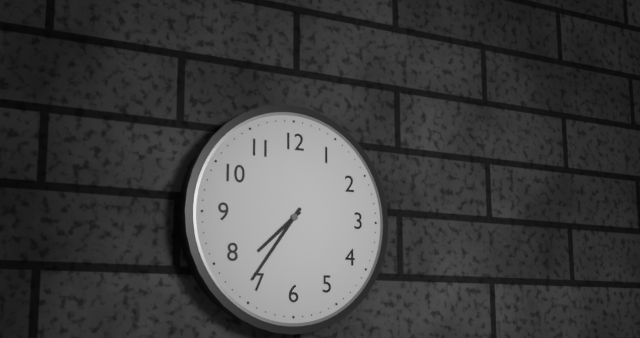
7:36
